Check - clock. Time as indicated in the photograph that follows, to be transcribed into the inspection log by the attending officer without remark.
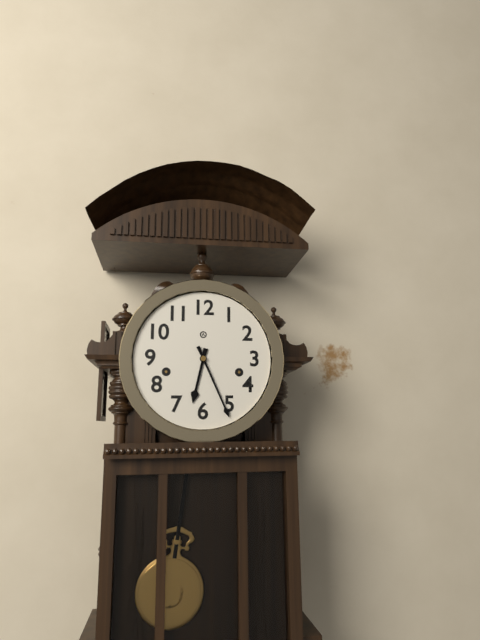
6:26
